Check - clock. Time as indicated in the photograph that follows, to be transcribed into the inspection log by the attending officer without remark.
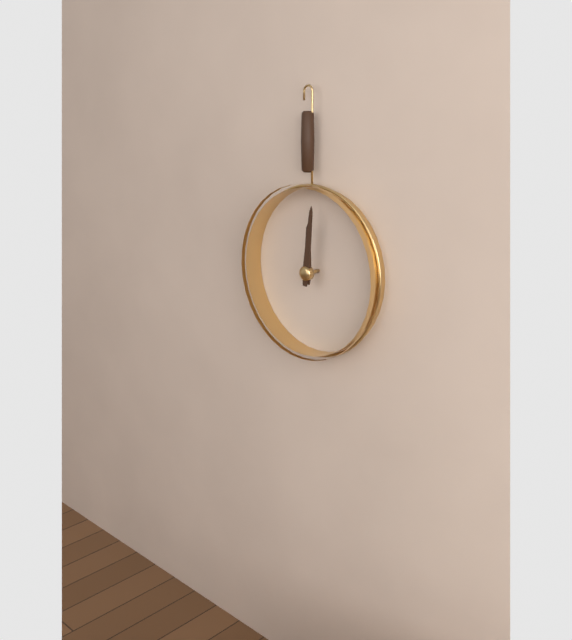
12:01
